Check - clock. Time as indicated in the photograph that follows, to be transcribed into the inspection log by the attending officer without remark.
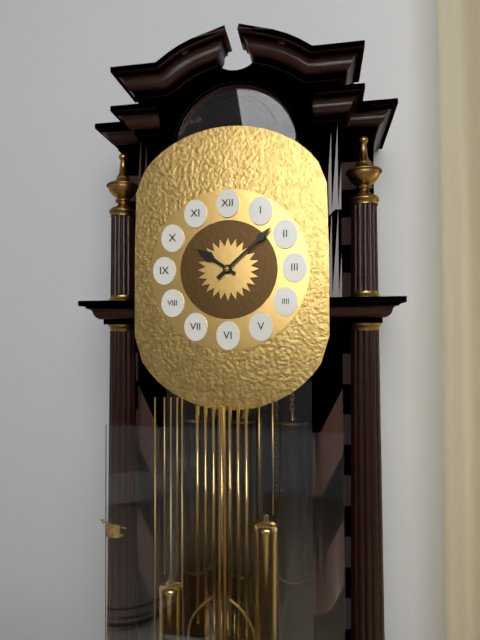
10:08
